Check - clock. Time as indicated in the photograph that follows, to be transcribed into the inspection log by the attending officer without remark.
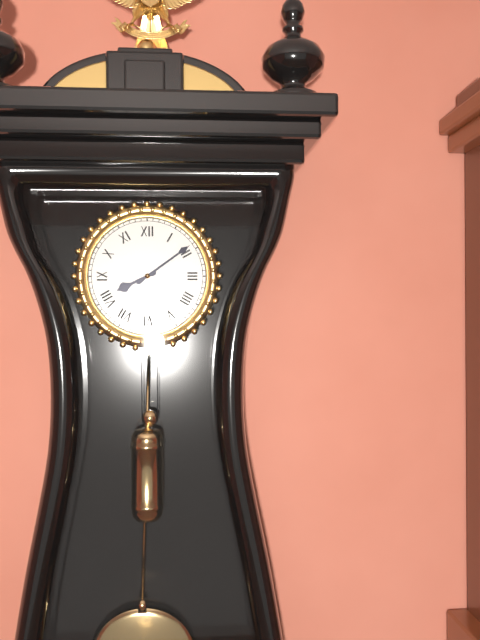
8:09
